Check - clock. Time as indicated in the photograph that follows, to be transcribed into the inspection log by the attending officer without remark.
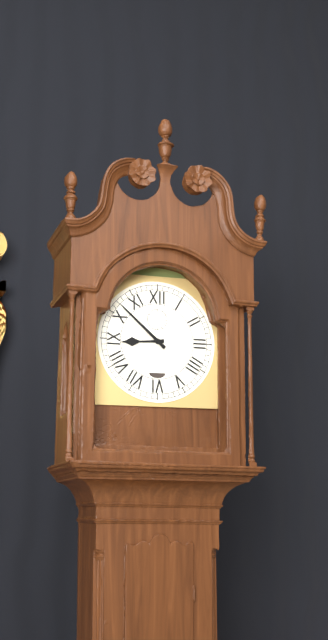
8:52
